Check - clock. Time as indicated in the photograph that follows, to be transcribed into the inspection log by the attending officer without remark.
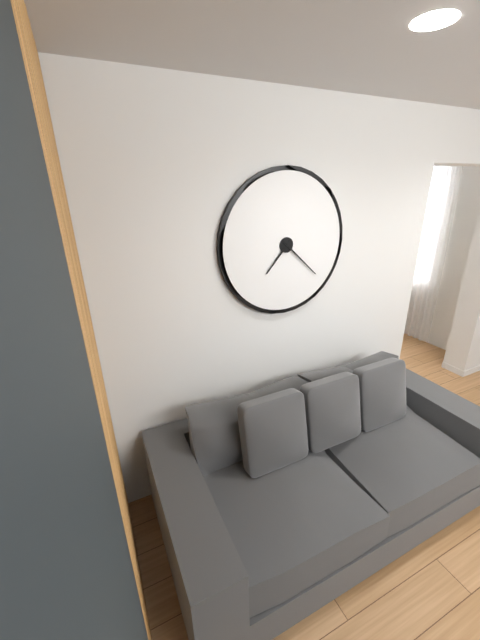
7:22
